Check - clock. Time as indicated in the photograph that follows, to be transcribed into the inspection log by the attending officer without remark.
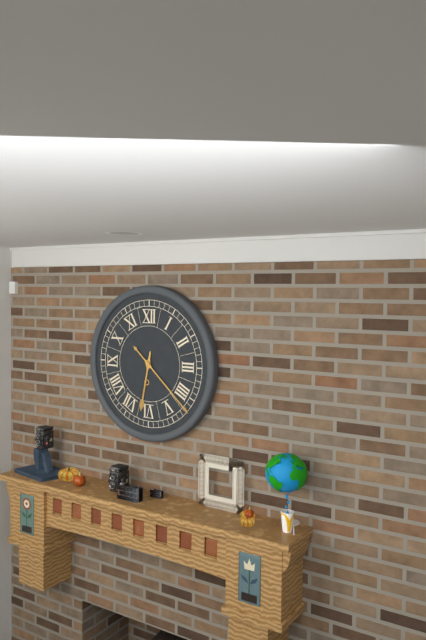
6:22
